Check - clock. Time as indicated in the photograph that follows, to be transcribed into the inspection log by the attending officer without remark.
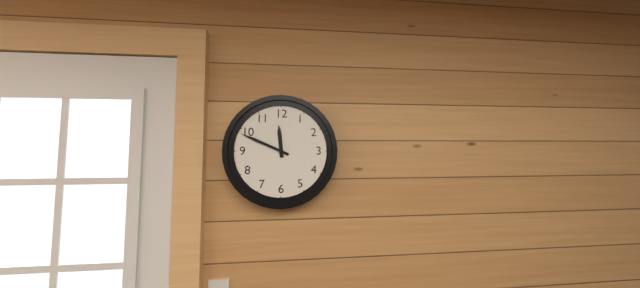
11:49
